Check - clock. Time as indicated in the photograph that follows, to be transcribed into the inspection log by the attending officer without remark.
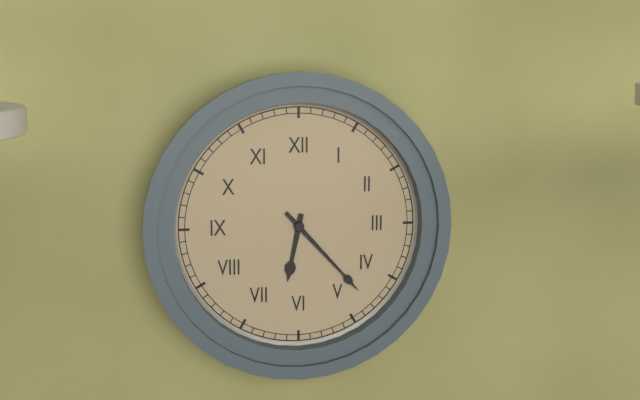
6:23
